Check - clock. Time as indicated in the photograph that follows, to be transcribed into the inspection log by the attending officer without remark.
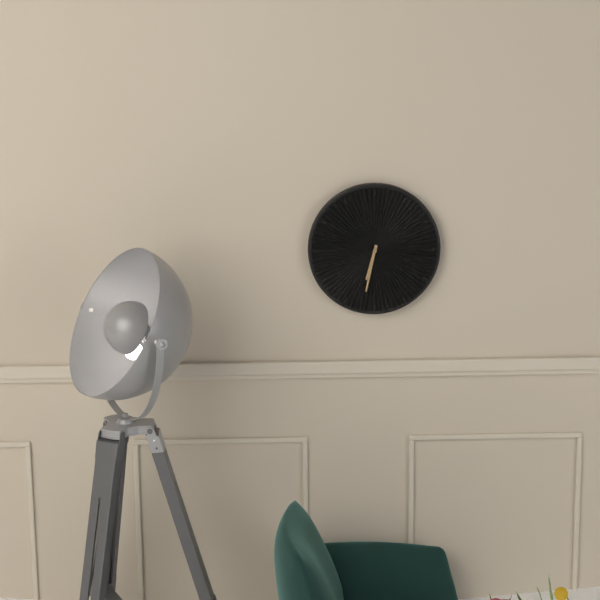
6:32
